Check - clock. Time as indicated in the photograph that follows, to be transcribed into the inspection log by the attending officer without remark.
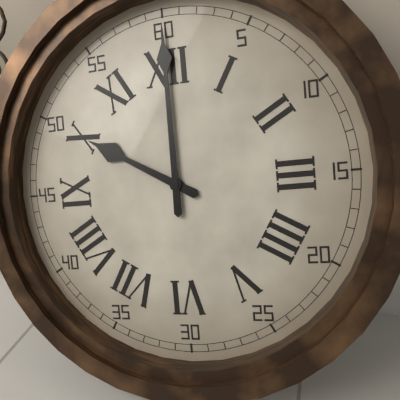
10:00
